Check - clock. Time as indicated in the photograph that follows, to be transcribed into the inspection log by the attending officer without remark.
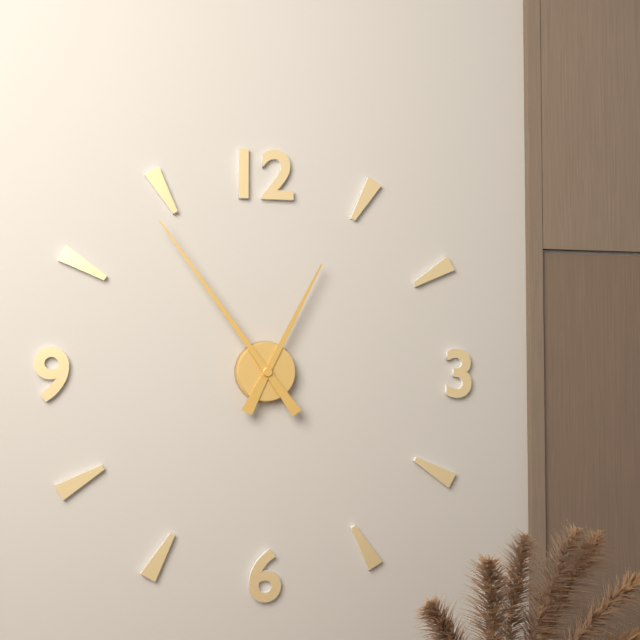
12:54
